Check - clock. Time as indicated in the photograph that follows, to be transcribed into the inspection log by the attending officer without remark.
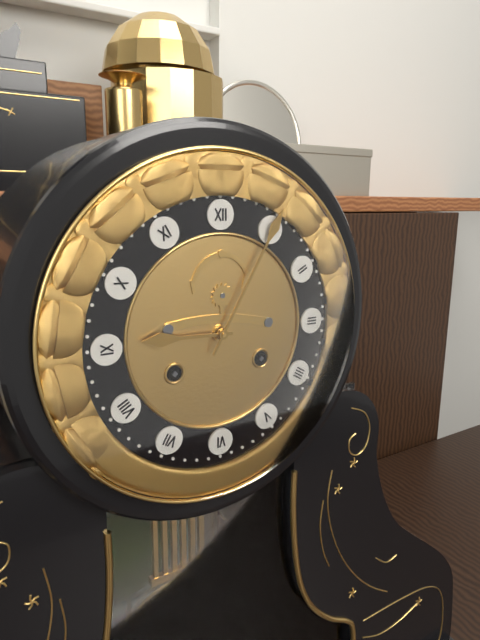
9:05
